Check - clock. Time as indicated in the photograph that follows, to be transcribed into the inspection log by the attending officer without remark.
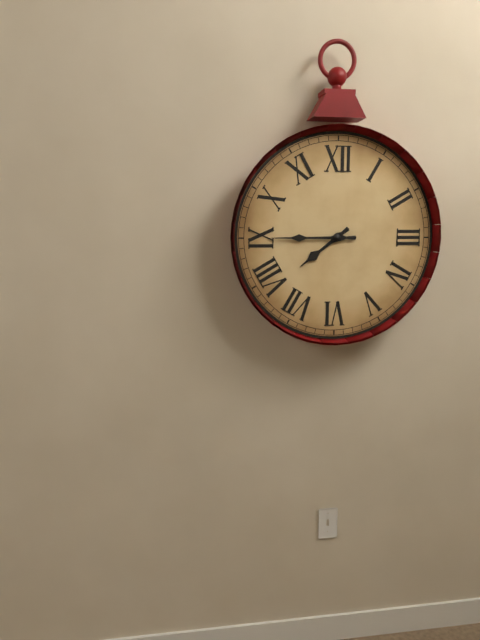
7:45
